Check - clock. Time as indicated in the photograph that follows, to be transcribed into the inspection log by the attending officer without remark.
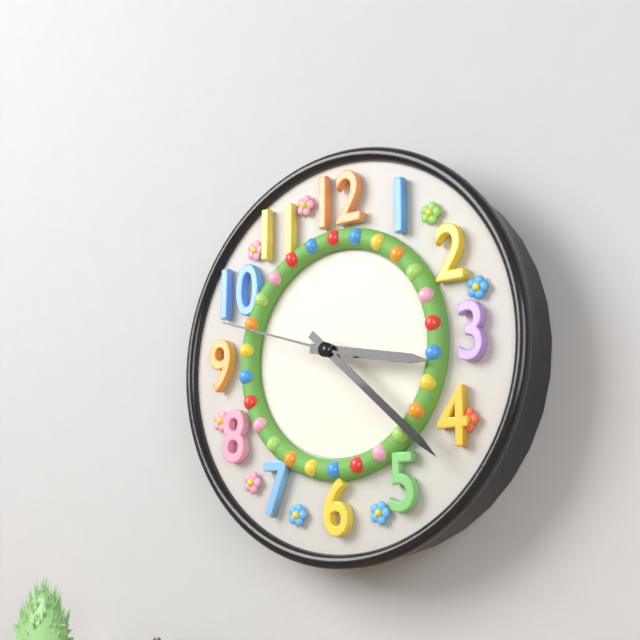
3:22:48
